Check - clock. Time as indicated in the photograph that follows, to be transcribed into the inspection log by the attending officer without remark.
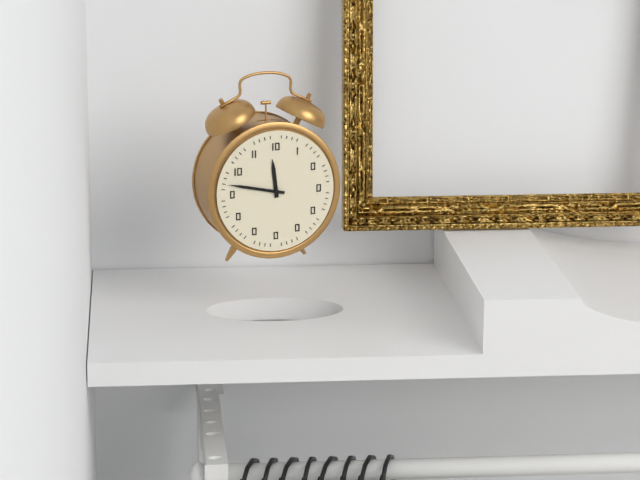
11:47
